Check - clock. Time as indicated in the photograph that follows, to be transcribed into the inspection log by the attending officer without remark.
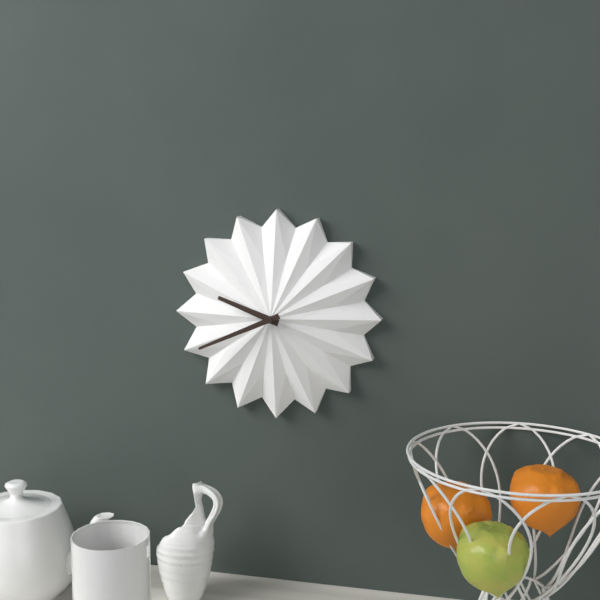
9:41
